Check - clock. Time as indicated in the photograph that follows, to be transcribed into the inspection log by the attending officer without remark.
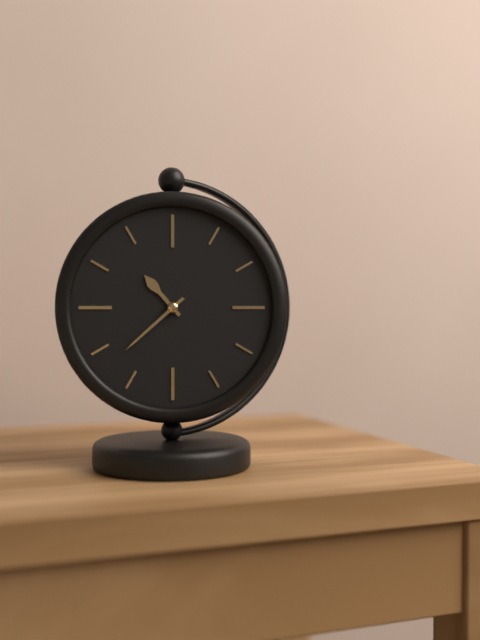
10:38
